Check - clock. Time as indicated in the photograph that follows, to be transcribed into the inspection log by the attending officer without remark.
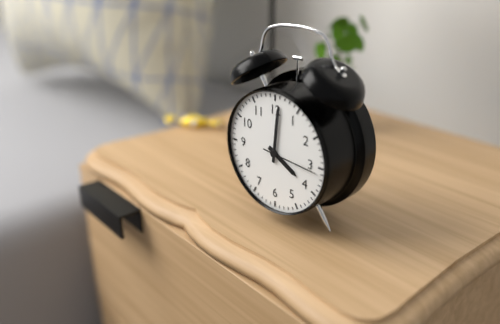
4:01:16
